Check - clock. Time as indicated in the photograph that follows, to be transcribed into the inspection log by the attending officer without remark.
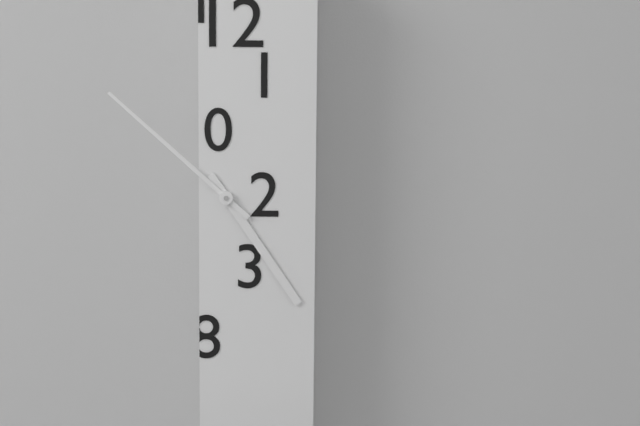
4:52
